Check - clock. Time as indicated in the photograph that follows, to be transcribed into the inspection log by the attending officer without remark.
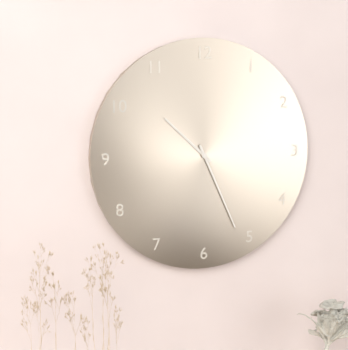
10:26
